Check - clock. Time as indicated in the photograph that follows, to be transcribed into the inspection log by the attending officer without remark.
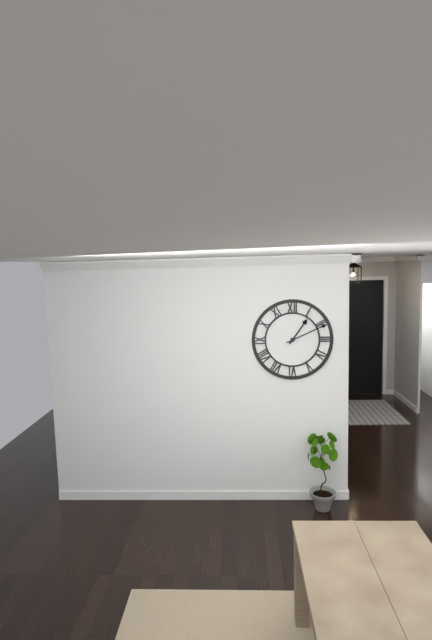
1:11
